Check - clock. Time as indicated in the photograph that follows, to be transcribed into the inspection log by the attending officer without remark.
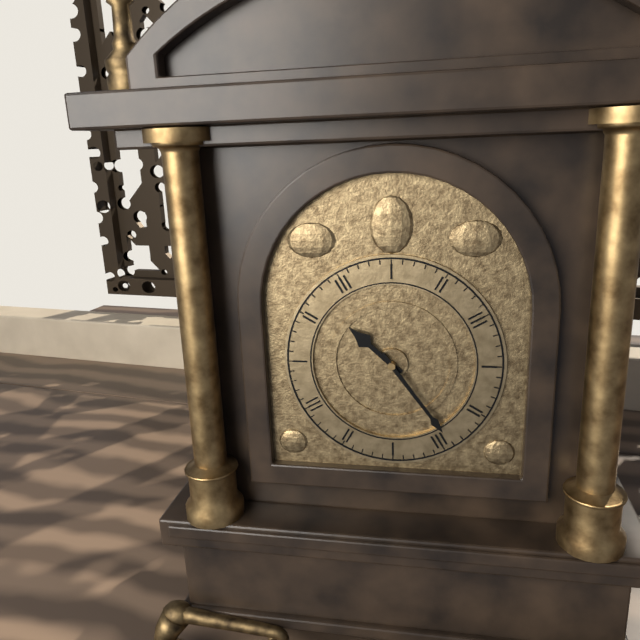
10:24
